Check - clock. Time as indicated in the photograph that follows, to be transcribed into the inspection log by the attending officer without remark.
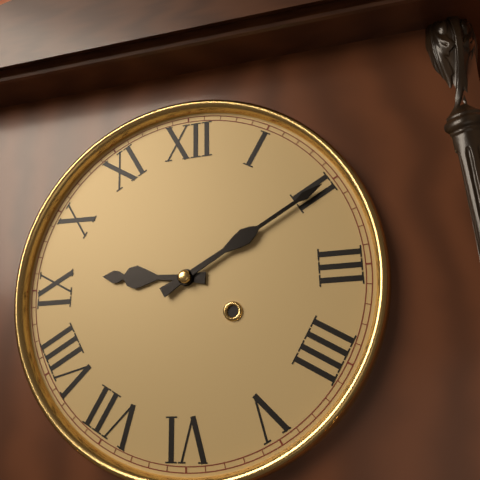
9:10
